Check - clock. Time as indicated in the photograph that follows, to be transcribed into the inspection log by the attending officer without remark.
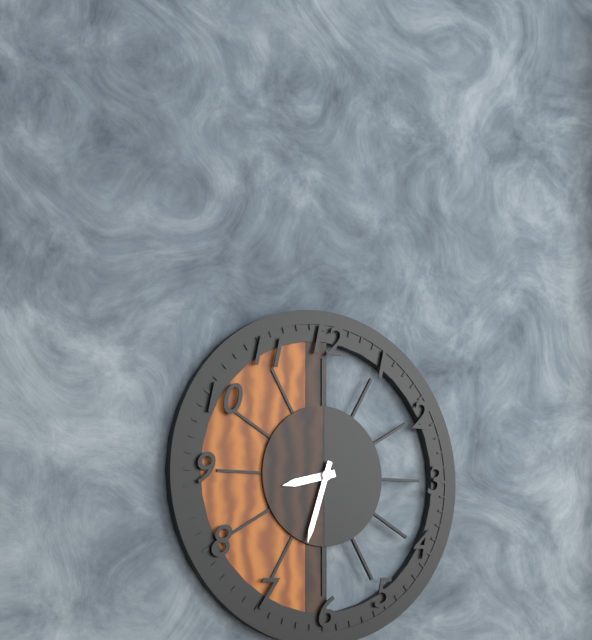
8:33
